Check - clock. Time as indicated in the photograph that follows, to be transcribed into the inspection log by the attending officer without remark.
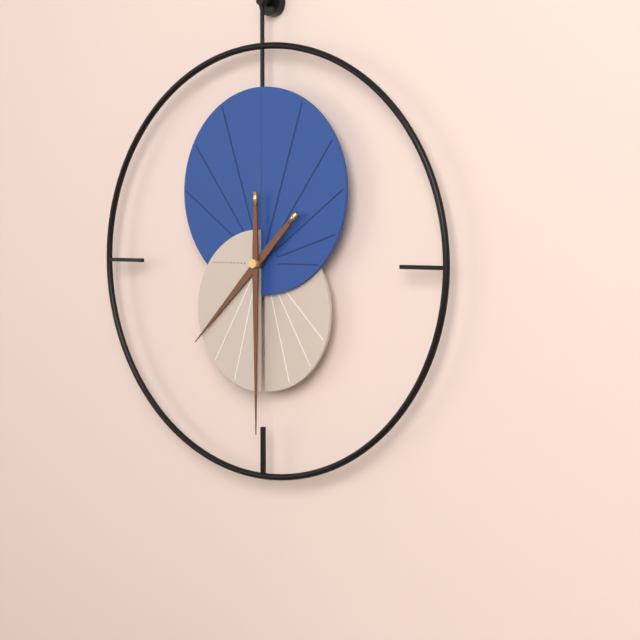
7:30
